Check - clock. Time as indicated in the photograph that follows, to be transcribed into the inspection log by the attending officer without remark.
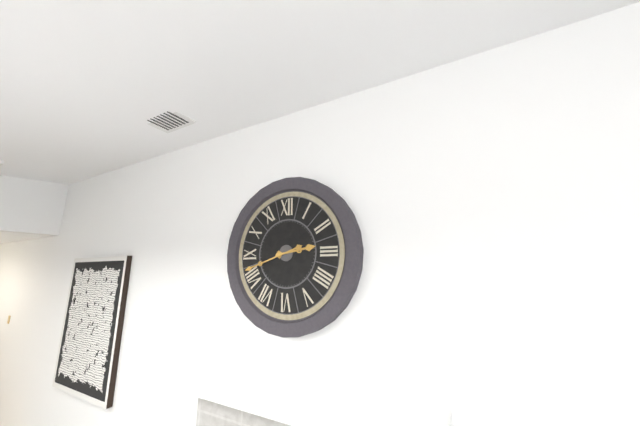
2:42
